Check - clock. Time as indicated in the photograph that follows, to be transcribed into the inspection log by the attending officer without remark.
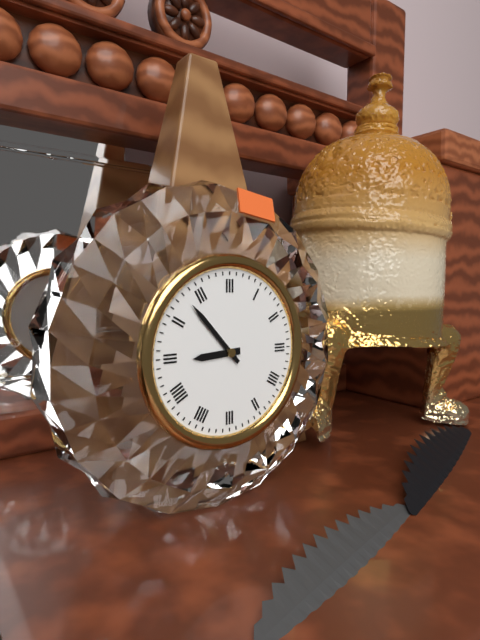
8:53
